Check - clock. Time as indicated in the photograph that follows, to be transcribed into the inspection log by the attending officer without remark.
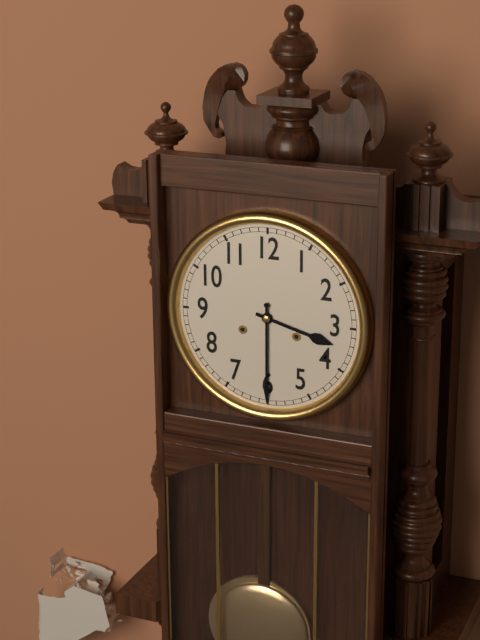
3:30
